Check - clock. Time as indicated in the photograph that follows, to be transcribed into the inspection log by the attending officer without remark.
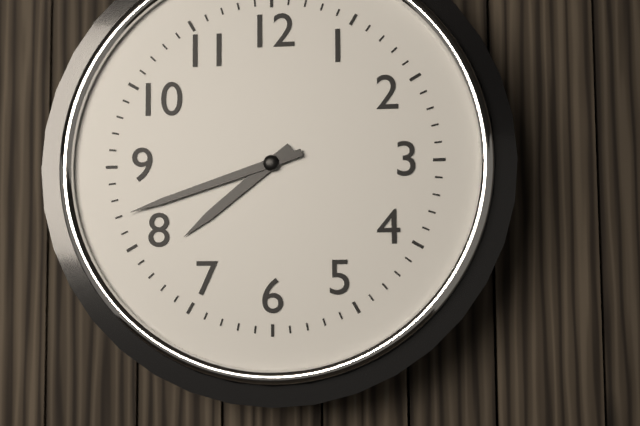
7:42
